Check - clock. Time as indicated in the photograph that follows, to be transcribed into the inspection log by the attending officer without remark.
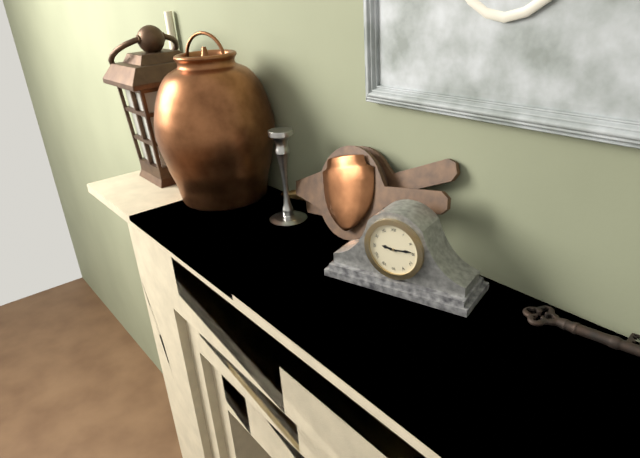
9:14
